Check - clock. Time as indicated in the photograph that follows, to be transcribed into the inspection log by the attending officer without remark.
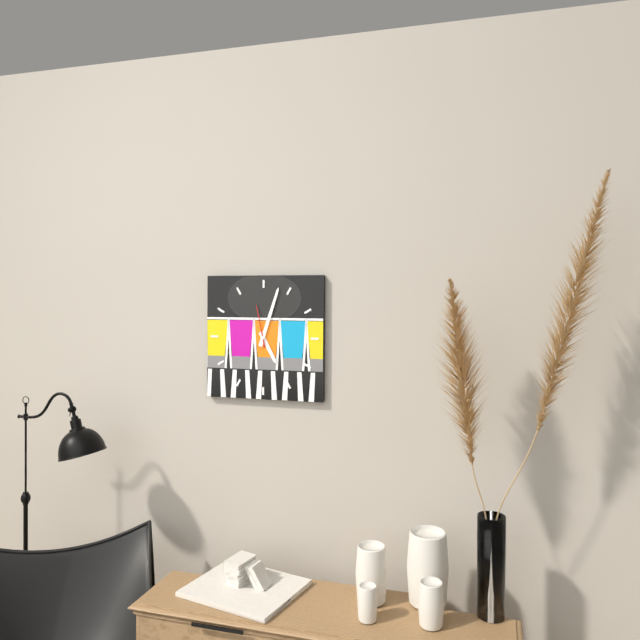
5:03
